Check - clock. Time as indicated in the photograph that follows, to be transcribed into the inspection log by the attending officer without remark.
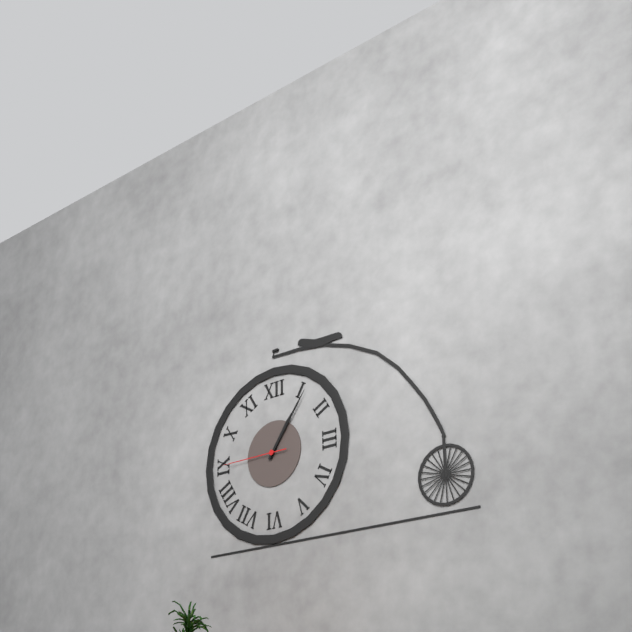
1:06:45
